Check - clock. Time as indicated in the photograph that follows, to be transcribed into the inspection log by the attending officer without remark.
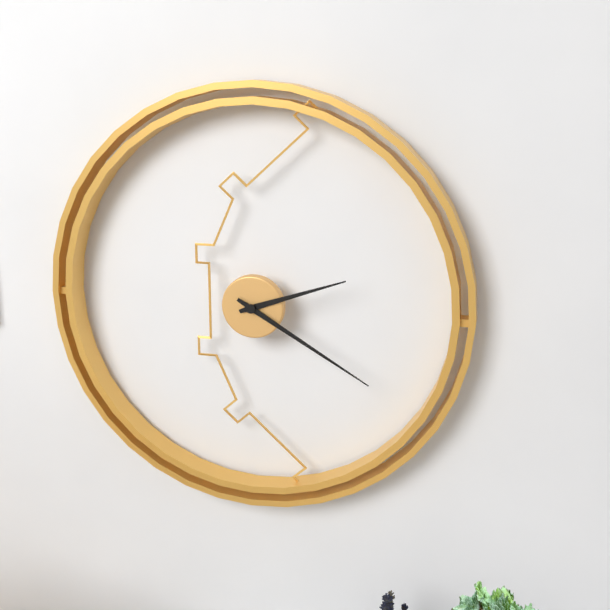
2:20
